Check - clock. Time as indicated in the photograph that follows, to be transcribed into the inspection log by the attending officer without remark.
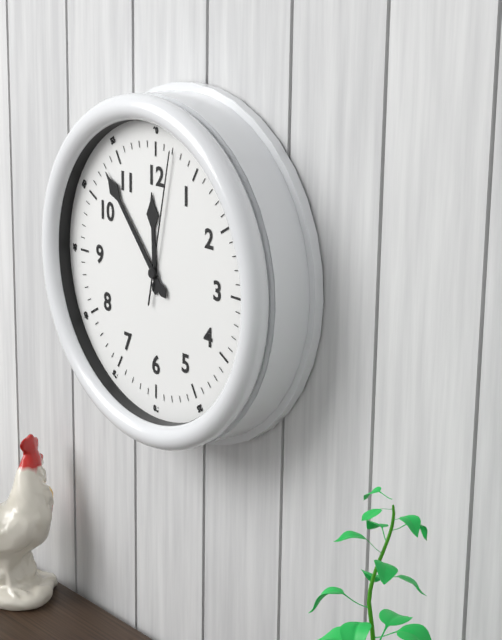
11:53:02
